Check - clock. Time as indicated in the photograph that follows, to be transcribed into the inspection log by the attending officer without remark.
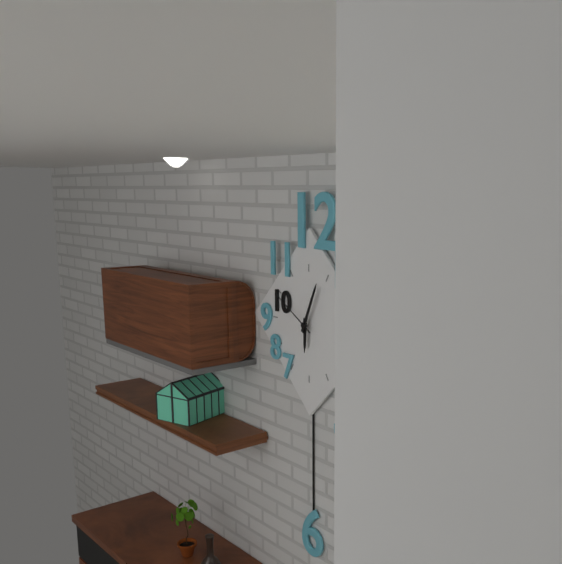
6:04:50
